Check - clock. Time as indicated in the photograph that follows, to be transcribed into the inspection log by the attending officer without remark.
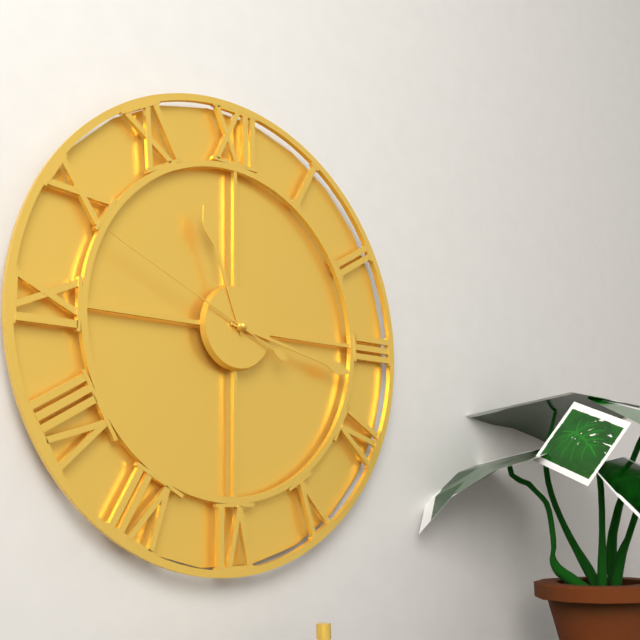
11:17:49
